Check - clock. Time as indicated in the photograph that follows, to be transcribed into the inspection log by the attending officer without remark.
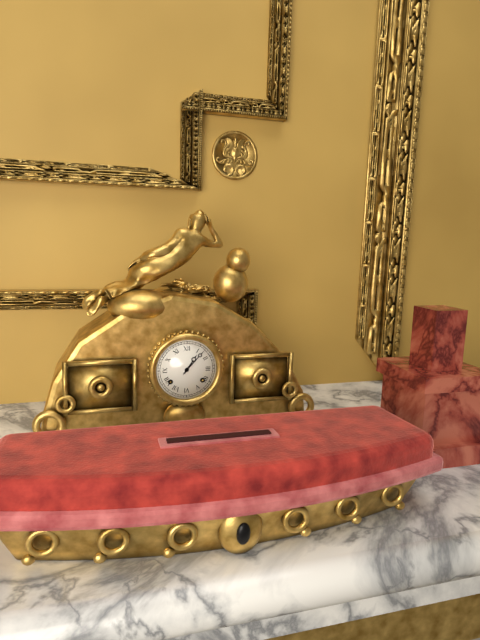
1:07
